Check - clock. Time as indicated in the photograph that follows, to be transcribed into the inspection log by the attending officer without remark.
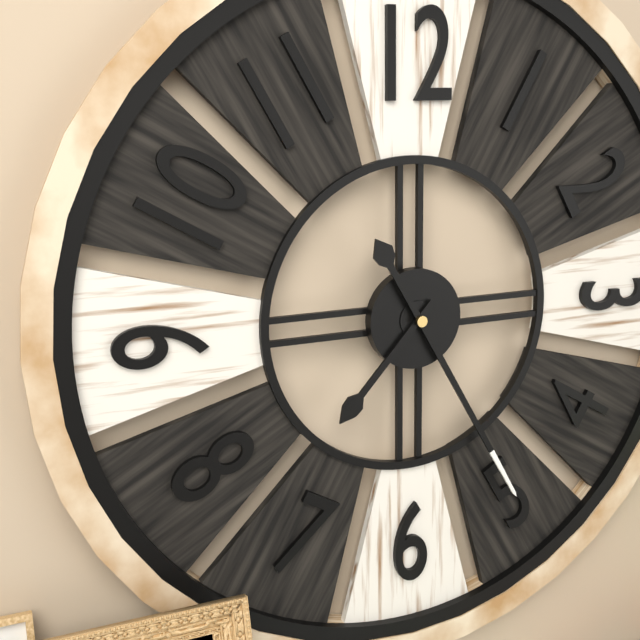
7:25
